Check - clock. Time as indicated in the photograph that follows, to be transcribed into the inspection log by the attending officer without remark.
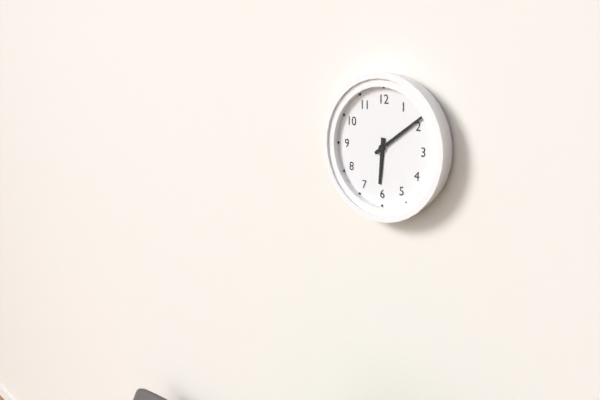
6:09
